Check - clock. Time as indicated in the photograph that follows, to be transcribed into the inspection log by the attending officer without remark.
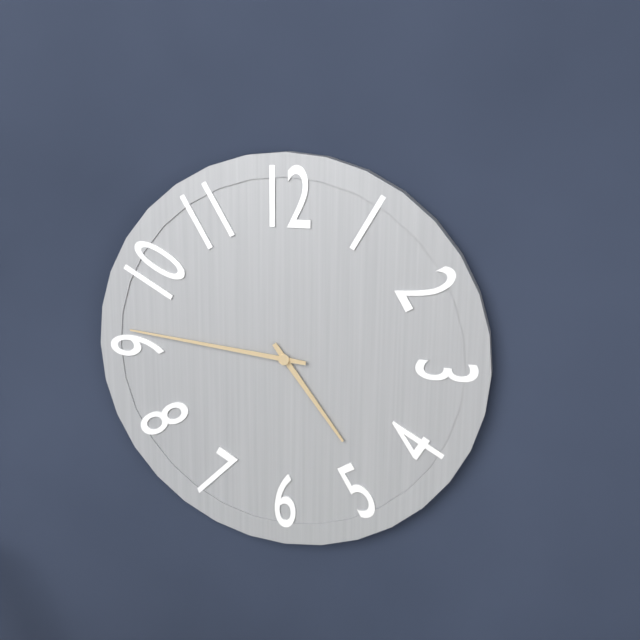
4:46
